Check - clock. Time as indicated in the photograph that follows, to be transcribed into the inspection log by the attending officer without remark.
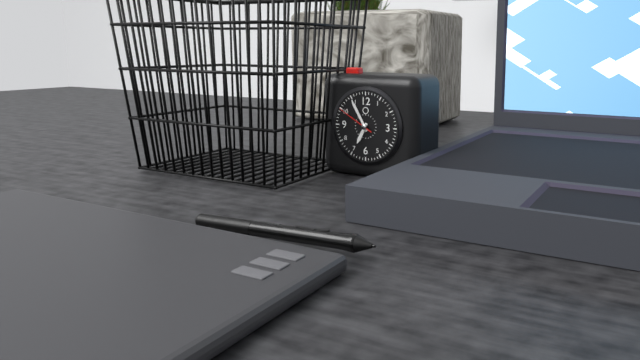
6:55
